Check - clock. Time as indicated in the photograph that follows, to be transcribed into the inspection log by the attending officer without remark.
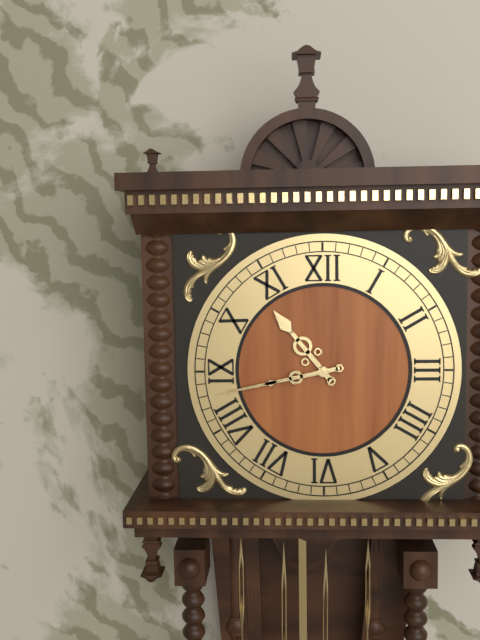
10:43
